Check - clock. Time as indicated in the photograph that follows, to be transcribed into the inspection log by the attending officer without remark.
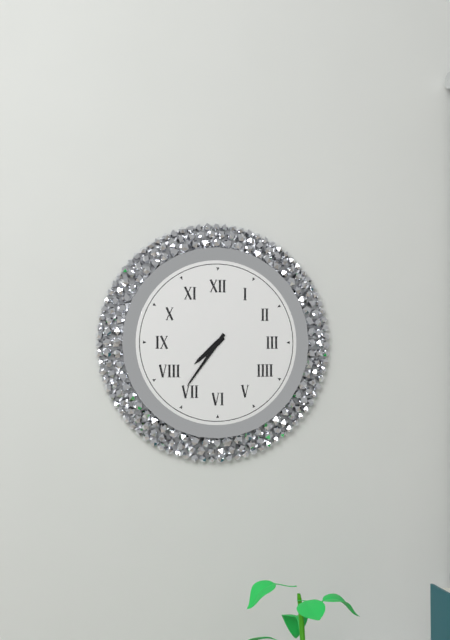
7:36
